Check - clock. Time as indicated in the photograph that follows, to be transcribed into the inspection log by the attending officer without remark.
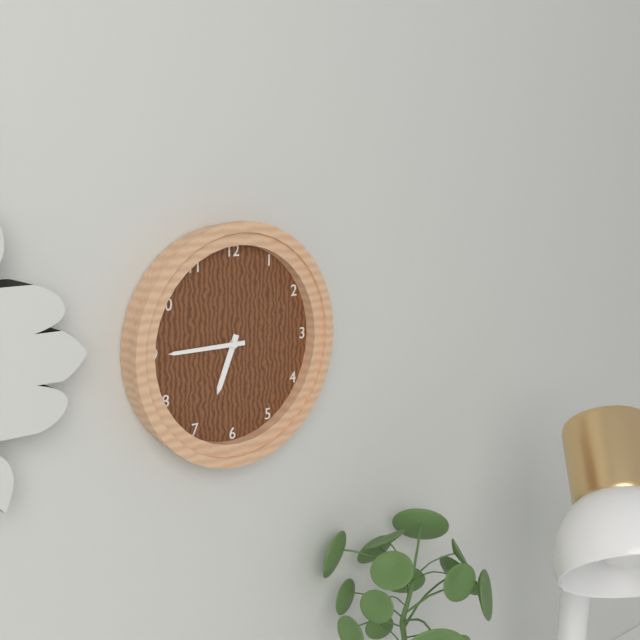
6:45
